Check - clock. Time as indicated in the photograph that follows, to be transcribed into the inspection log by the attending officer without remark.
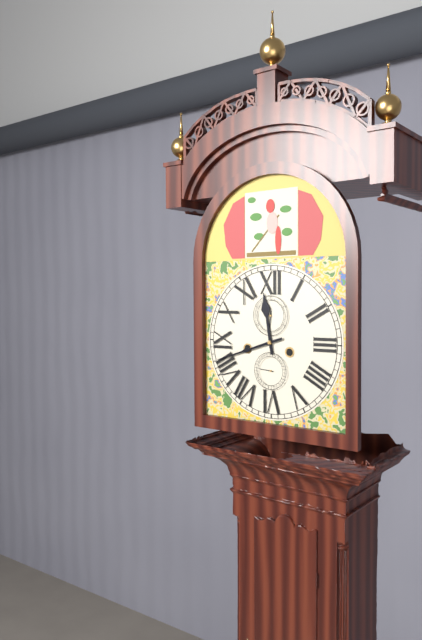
11:42
